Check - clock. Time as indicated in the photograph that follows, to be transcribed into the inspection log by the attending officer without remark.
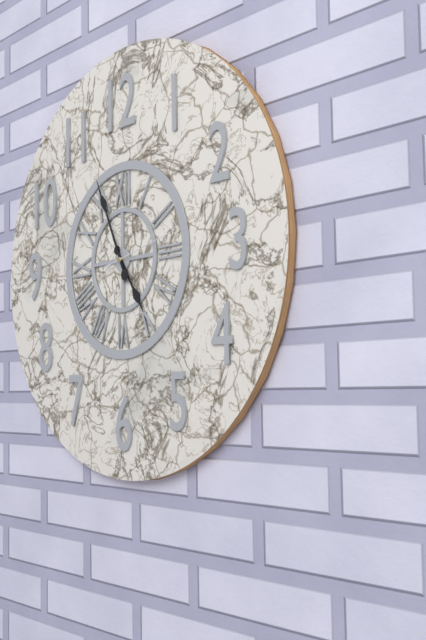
4:56:13
